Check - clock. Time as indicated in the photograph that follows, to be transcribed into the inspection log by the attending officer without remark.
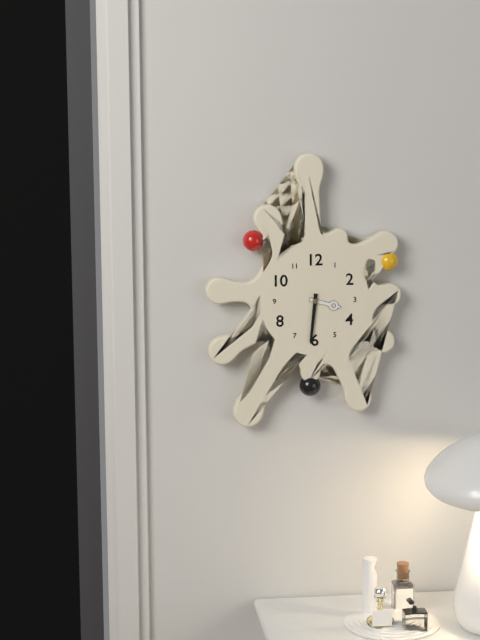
3:31
